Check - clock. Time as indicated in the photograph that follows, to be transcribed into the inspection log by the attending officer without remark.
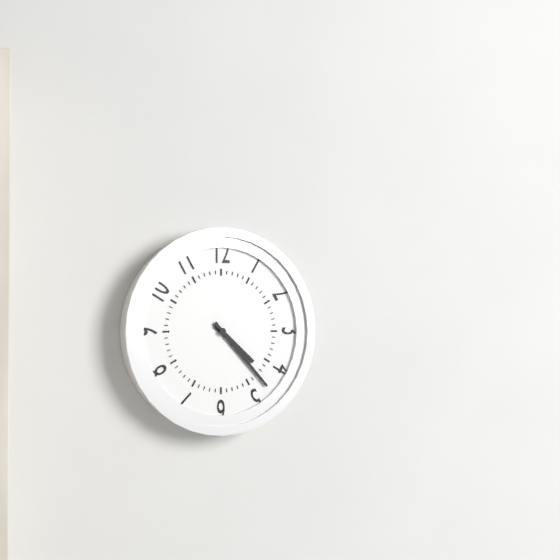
4:23
